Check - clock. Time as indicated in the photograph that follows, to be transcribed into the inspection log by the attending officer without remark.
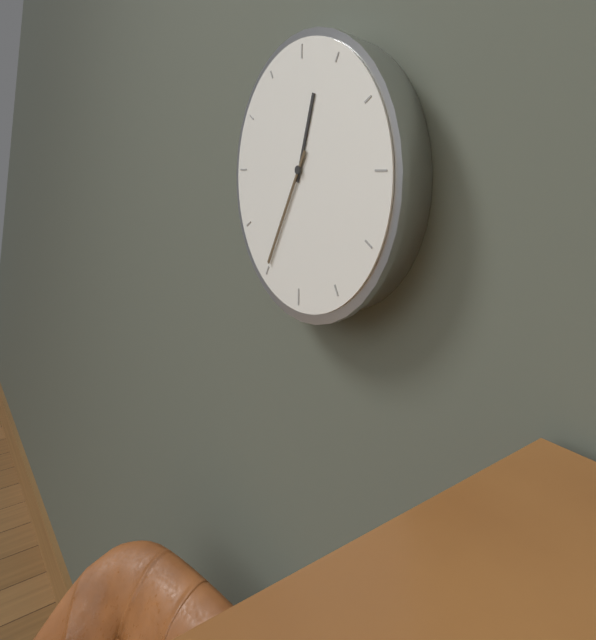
12:35
